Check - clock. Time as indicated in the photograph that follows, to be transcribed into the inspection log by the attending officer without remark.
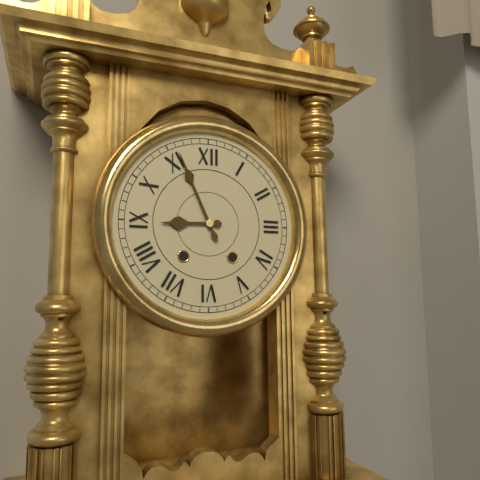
8:56
